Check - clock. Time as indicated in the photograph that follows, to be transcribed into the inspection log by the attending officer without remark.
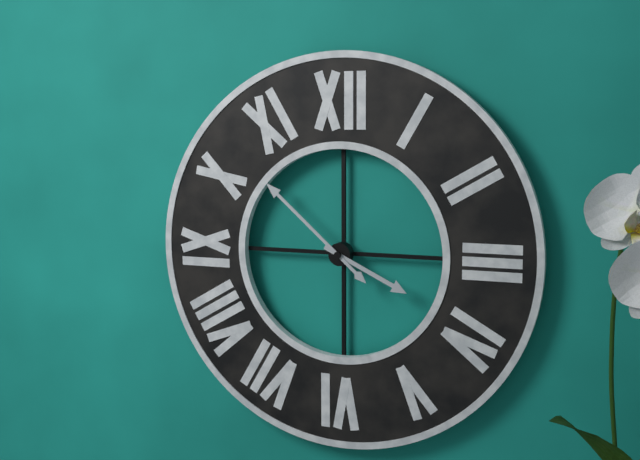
3:52
